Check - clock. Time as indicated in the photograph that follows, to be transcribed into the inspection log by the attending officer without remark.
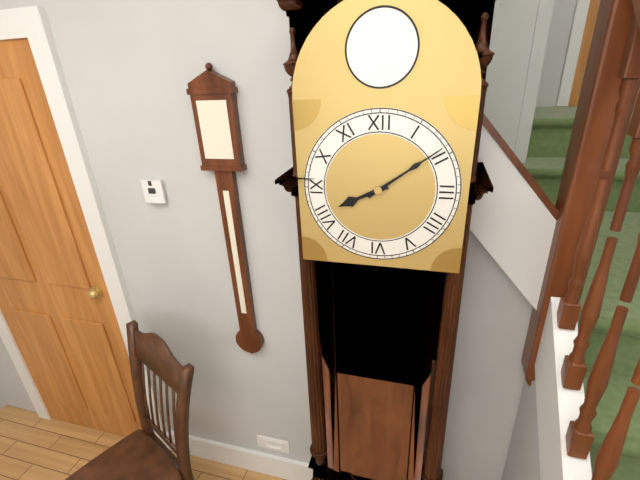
8:09
